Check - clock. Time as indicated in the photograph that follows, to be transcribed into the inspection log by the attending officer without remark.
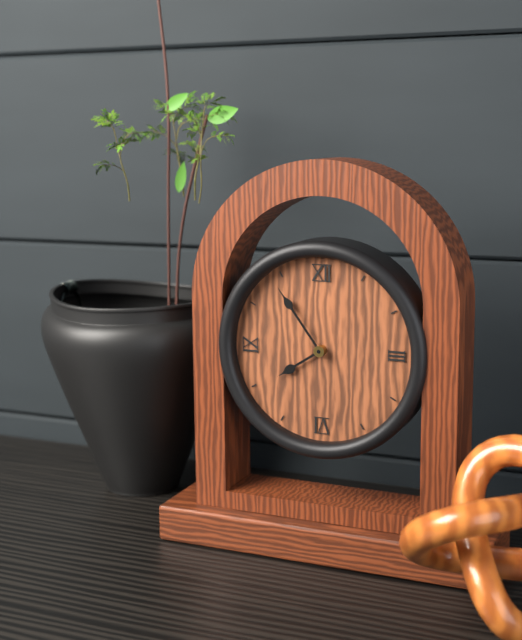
7:54
